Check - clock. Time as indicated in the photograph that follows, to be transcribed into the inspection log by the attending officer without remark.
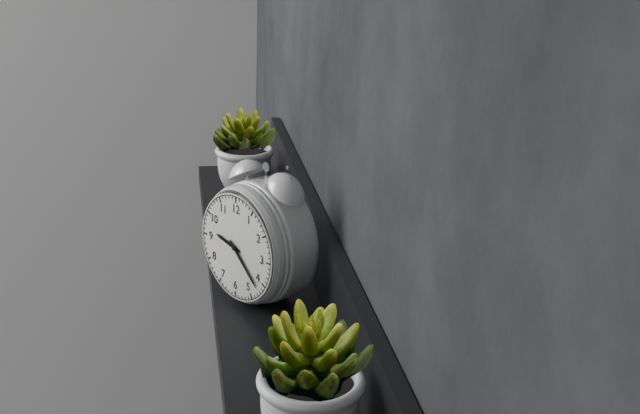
9:22
